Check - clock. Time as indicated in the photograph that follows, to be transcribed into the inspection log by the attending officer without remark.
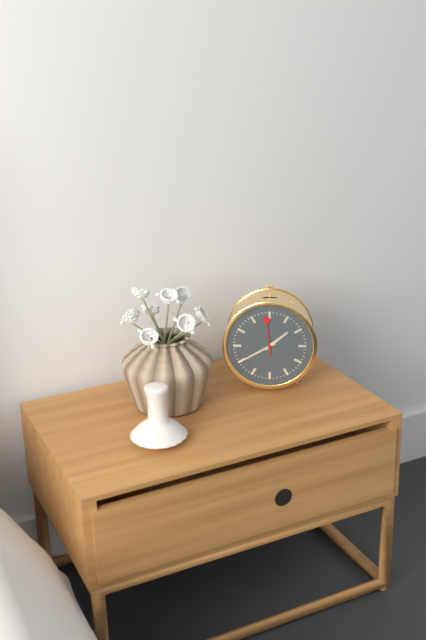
1:40
